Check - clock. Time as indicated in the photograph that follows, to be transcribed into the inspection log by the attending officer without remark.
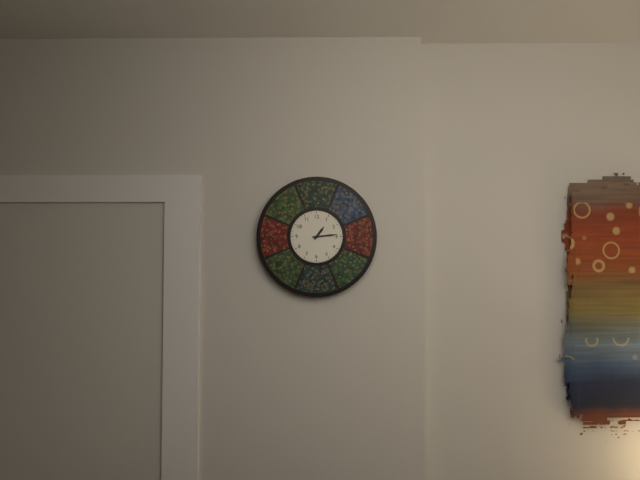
1:14
